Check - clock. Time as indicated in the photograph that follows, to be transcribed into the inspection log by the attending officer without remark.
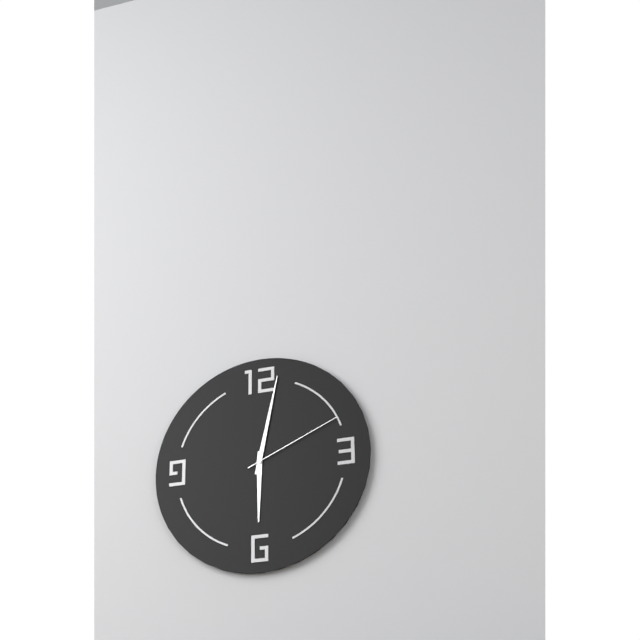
6:02:11
